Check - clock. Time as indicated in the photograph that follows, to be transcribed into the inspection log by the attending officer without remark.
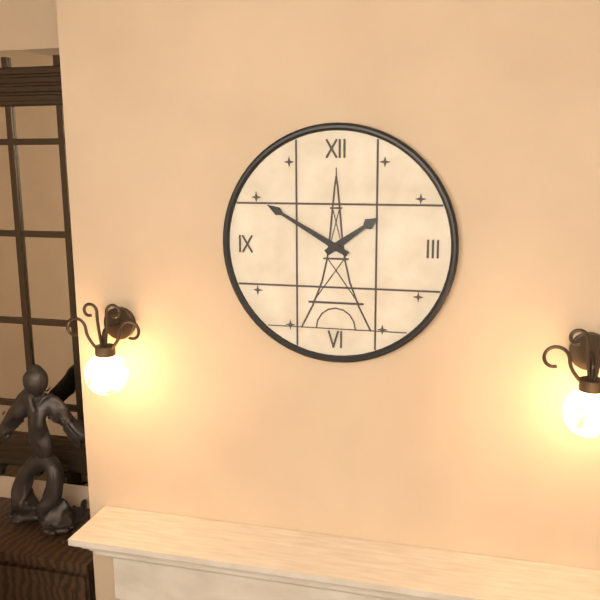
1:50
